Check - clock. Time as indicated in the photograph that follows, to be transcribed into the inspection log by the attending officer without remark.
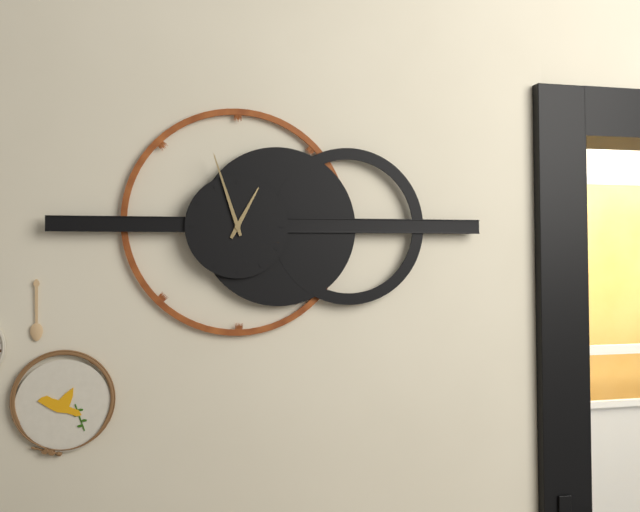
12:57
